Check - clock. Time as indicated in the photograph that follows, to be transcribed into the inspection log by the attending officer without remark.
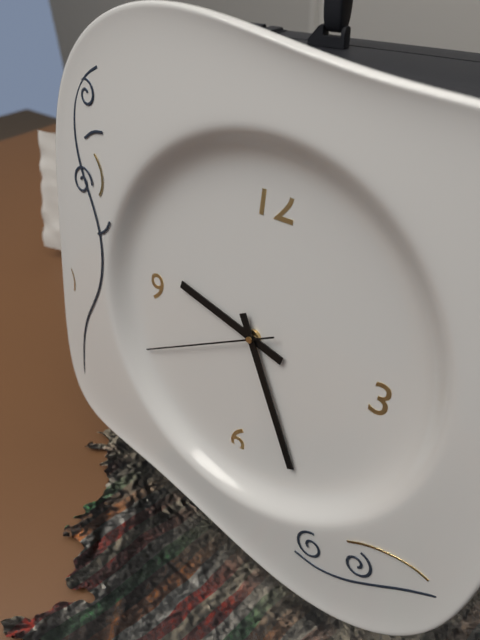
9:25:40
